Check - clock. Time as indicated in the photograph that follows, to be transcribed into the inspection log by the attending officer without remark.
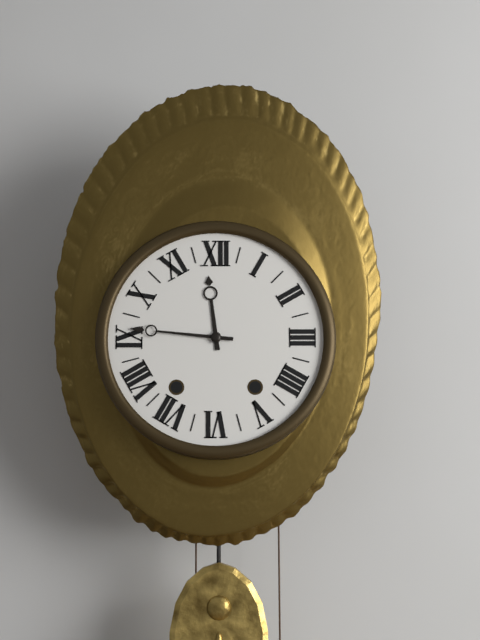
11:46
